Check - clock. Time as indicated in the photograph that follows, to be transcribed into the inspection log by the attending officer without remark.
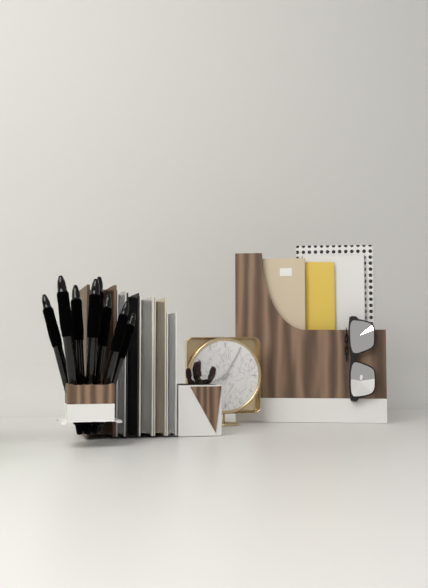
8:05
